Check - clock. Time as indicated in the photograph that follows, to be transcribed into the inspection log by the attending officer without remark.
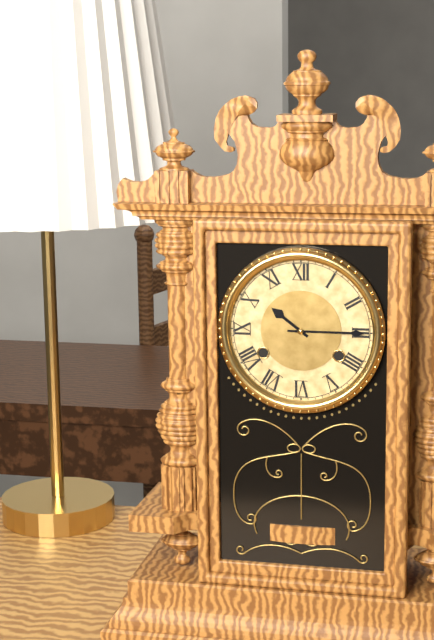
10:15
